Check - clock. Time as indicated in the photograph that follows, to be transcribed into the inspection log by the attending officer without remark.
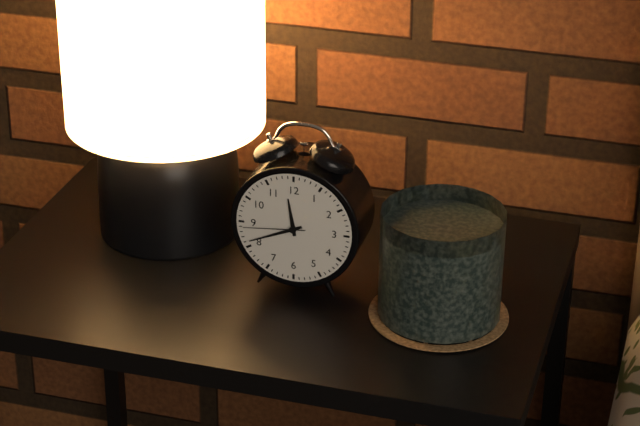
11:41:44
